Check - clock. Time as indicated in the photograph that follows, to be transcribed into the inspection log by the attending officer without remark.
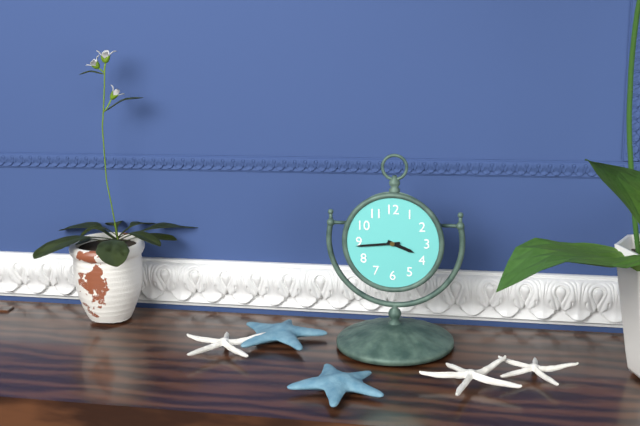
3:44
